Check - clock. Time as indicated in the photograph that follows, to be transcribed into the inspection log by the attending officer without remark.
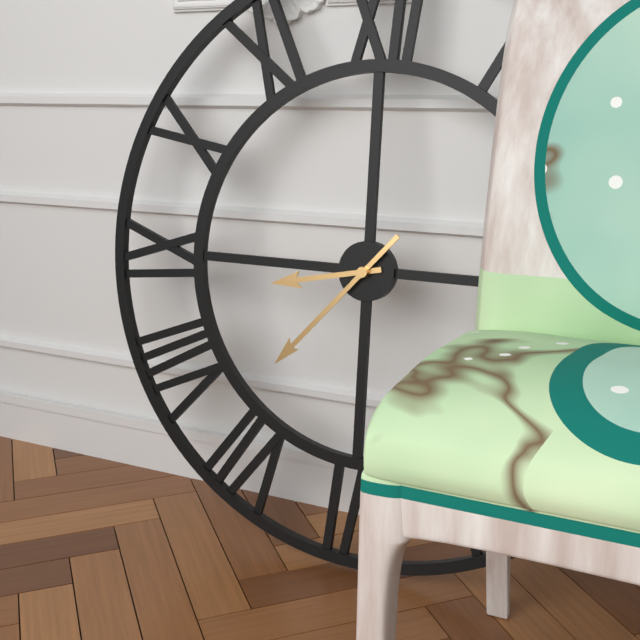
8:37
